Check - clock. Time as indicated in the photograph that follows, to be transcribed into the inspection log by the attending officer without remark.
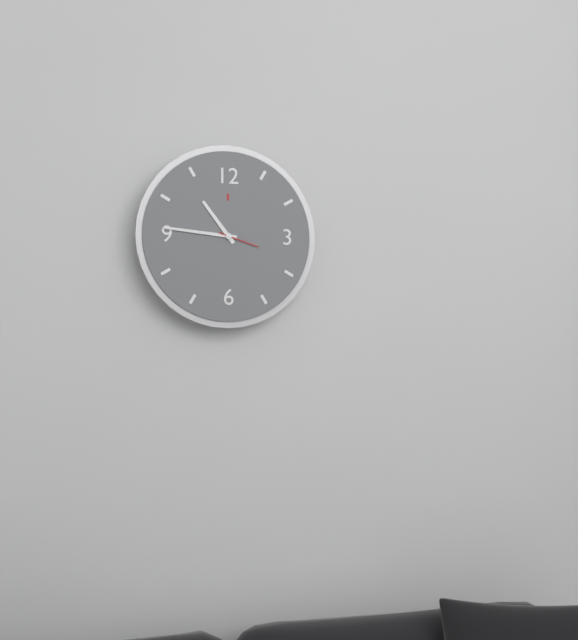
10:46
